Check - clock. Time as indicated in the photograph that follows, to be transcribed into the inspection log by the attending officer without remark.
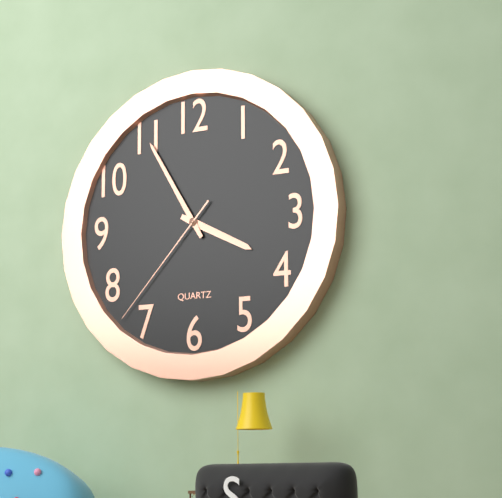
3:55:37
